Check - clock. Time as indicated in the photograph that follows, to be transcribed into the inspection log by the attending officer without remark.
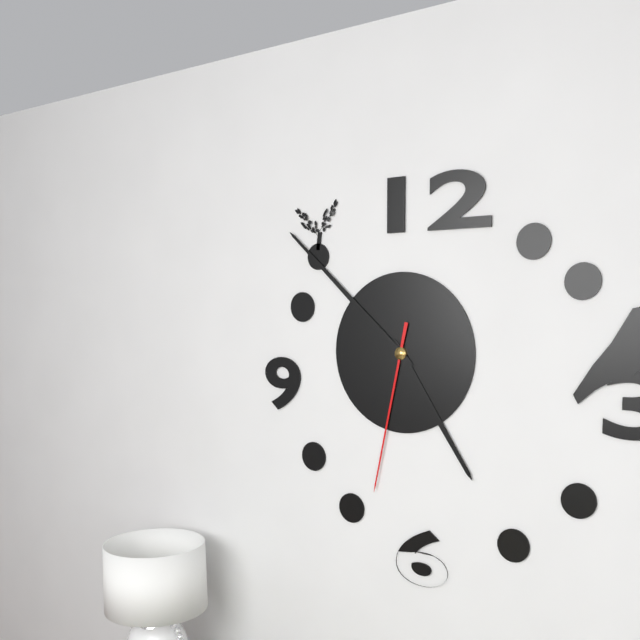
4:52:32
